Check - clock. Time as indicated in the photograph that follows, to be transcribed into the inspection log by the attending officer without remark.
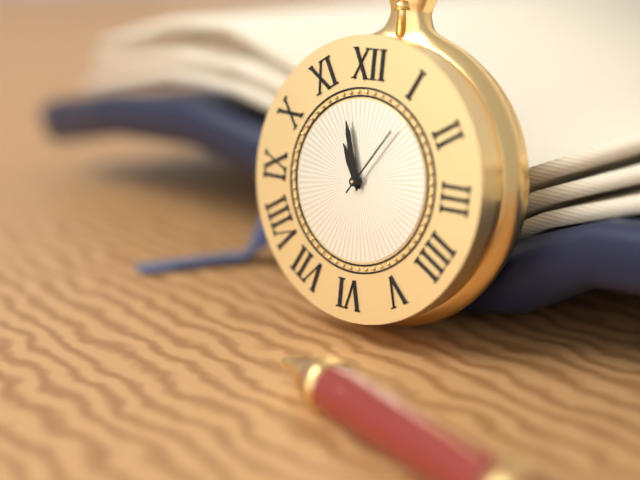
10:57:06
